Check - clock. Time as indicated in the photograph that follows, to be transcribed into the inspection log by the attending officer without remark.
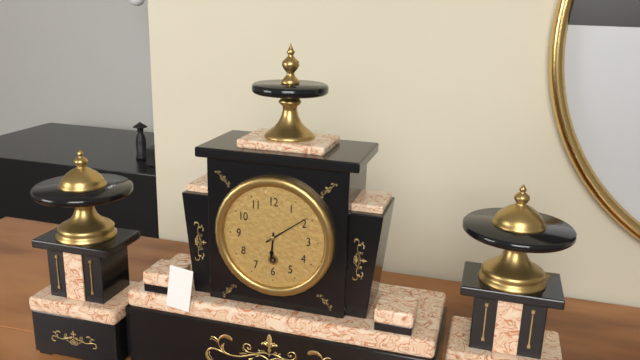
6:09
